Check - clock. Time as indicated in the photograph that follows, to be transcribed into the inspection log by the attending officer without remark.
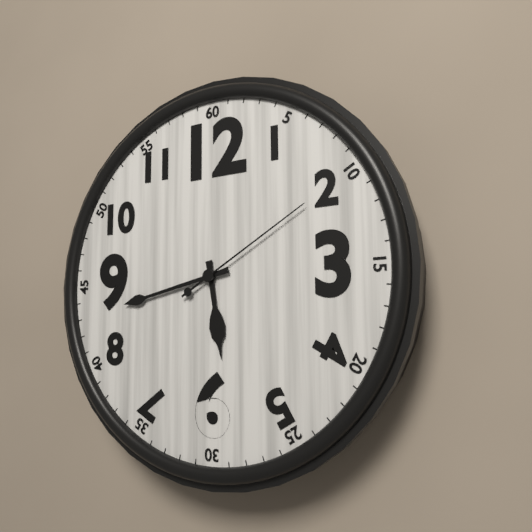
5:43:10
